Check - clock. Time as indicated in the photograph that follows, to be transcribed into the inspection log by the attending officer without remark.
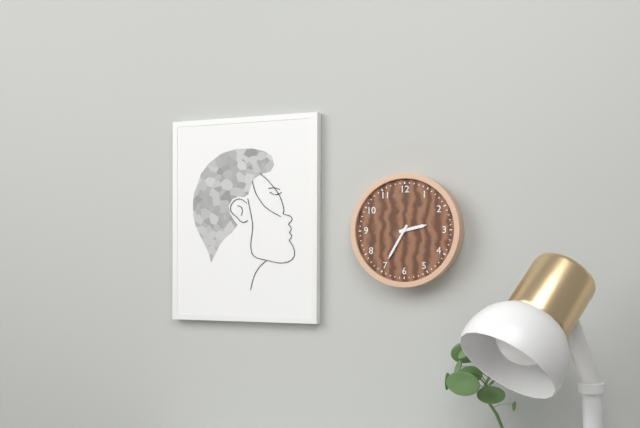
2:35
